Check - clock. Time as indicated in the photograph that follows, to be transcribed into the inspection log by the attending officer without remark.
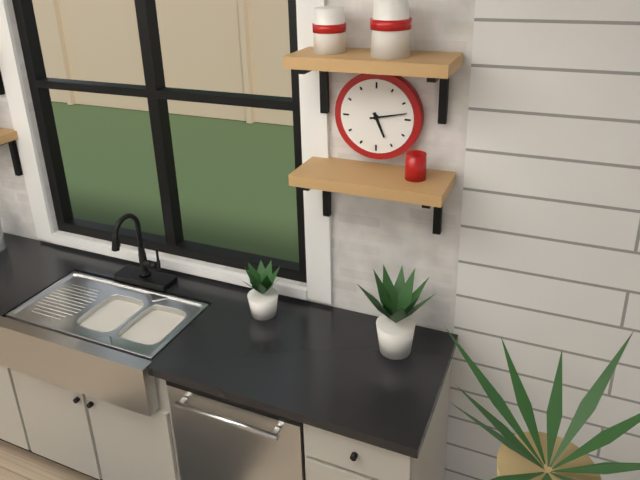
5:13
